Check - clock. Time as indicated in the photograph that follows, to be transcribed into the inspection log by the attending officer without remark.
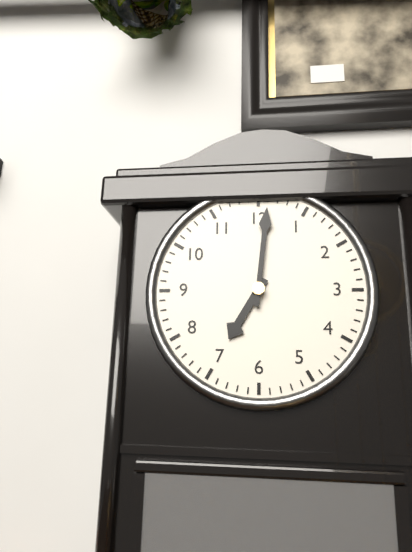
7:01
